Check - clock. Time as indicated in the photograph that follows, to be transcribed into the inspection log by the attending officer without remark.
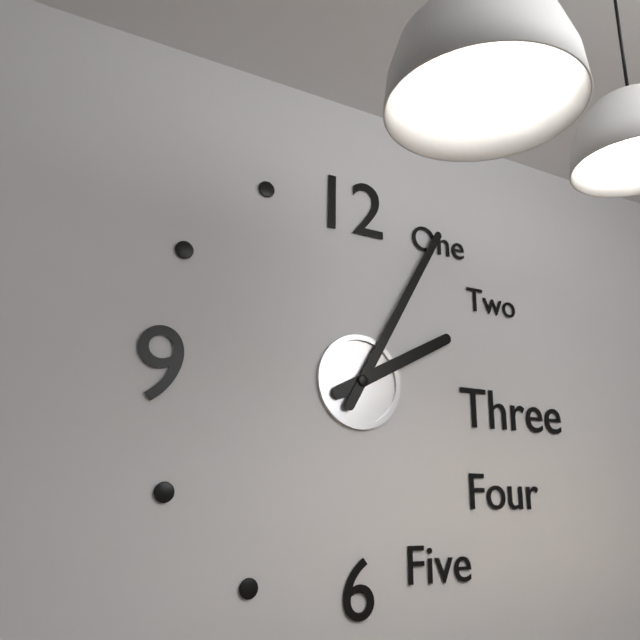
2:05
